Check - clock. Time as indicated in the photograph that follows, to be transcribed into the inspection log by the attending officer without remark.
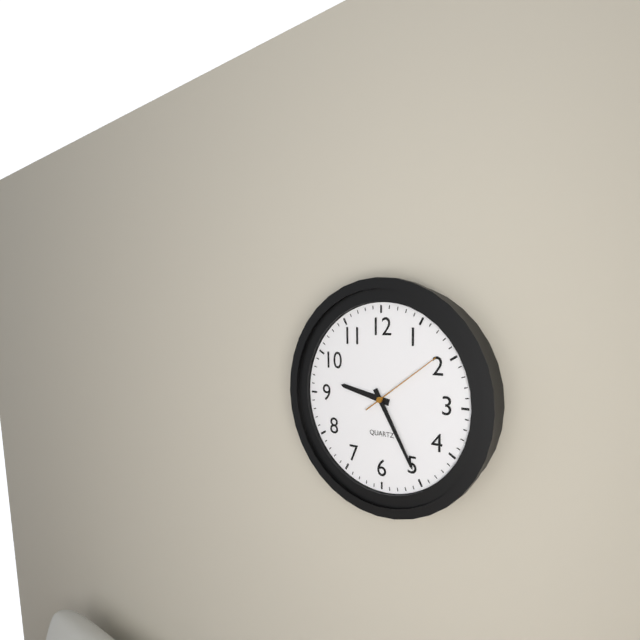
9:25:09
